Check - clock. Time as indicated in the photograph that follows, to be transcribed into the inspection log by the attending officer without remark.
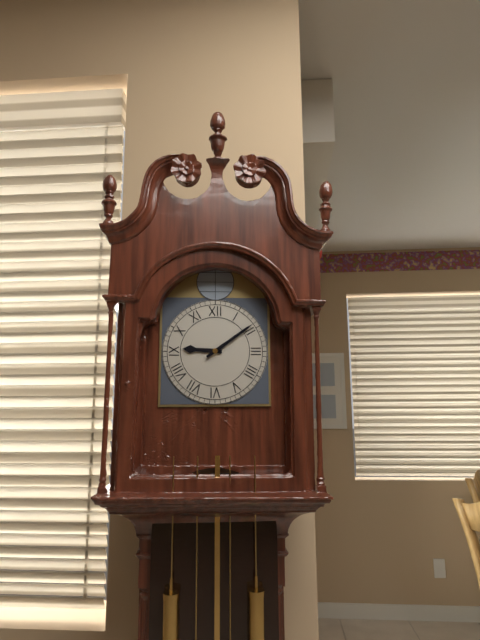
9:09
